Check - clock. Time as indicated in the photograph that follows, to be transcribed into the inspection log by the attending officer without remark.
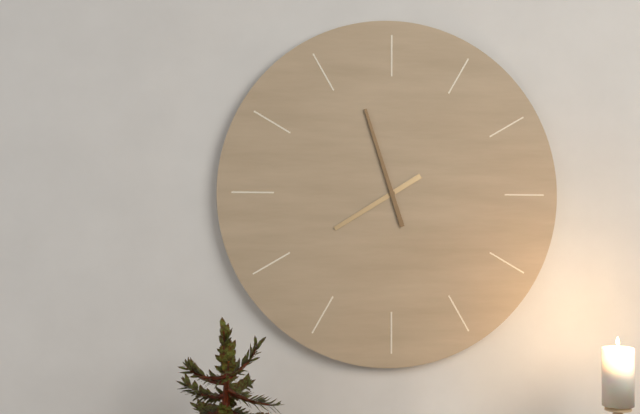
7:57
